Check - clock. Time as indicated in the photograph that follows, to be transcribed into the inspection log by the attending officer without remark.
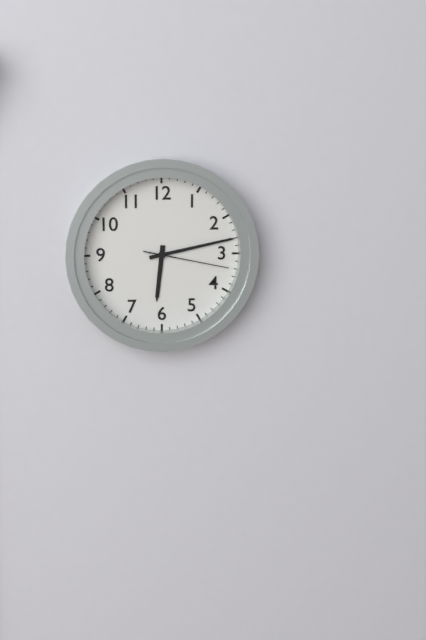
6:13:17
